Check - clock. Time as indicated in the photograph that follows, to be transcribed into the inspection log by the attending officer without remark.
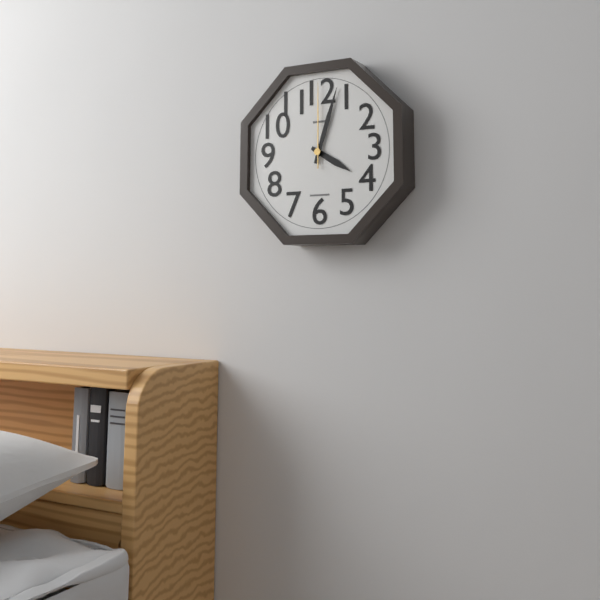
4:03:00
